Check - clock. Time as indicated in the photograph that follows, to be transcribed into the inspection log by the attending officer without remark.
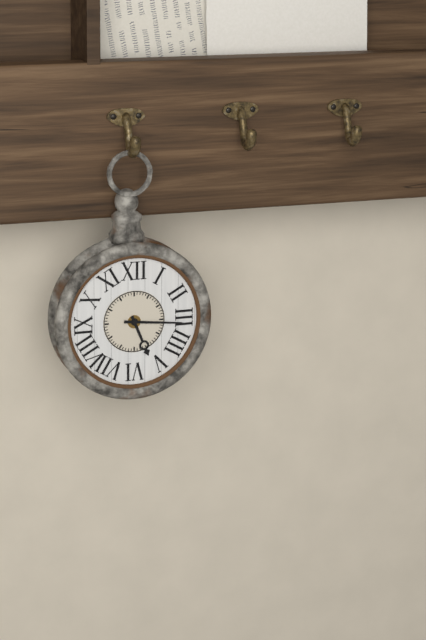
5:16
